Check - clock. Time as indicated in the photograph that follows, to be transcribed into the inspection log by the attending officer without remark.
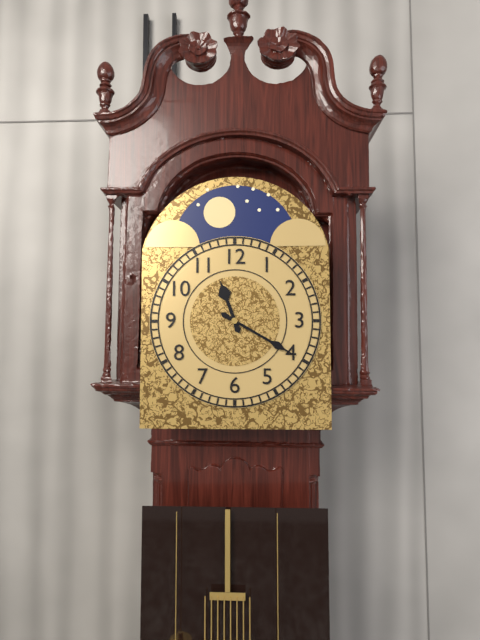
11:20
